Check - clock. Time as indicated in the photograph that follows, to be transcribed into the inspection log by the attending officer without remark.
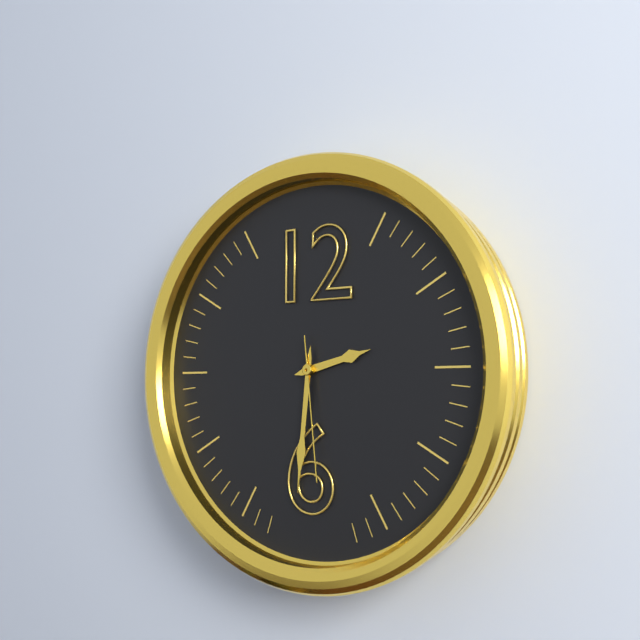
2:31:29
